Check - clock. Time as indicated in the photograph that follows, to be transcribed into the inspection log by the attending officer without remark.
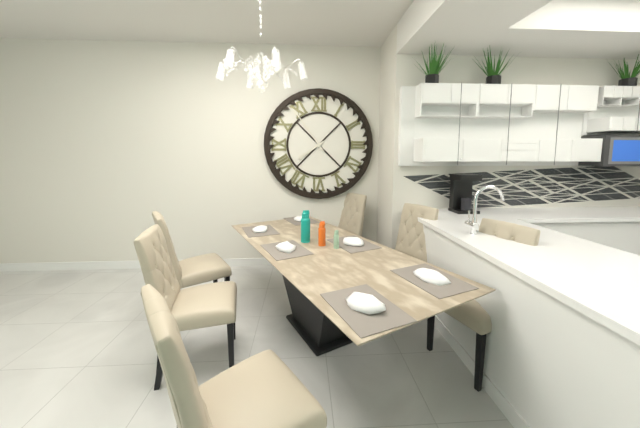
7:54
